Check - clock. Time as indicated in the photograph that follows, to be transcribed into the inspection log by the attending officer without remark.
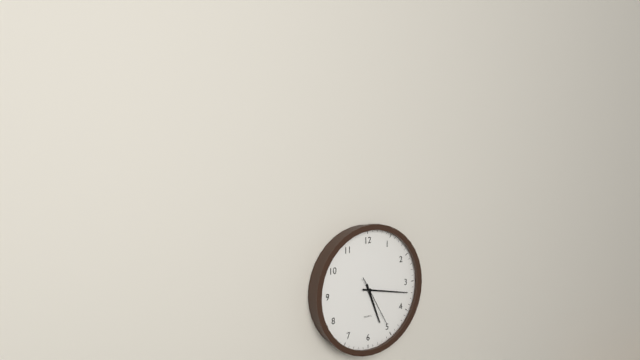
5:17
